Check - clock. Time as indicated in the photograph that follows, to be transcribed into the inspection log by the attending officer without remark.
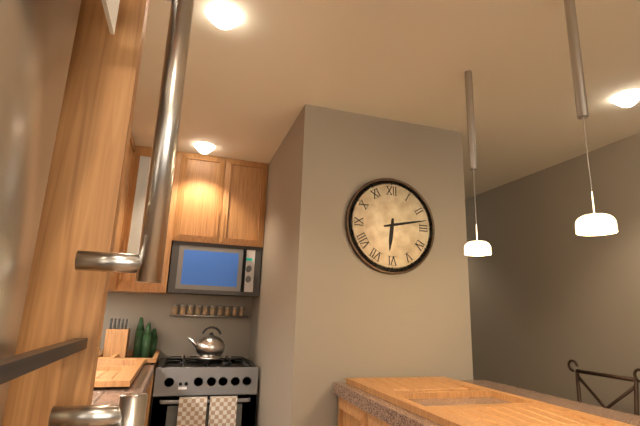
6:13
